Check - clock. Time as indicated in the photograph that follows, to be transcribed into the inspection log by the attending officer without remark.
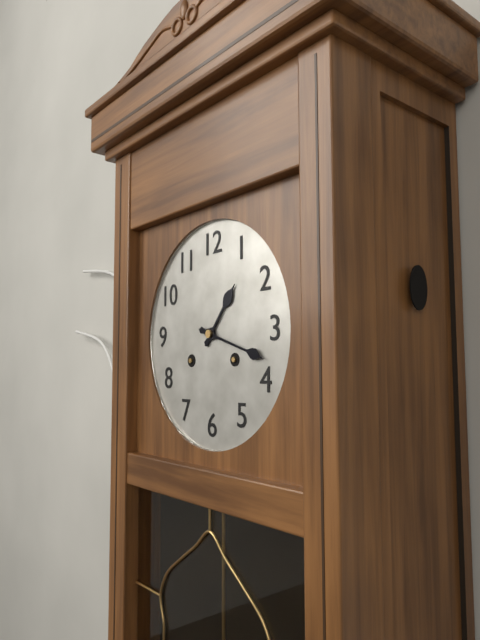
1:18
